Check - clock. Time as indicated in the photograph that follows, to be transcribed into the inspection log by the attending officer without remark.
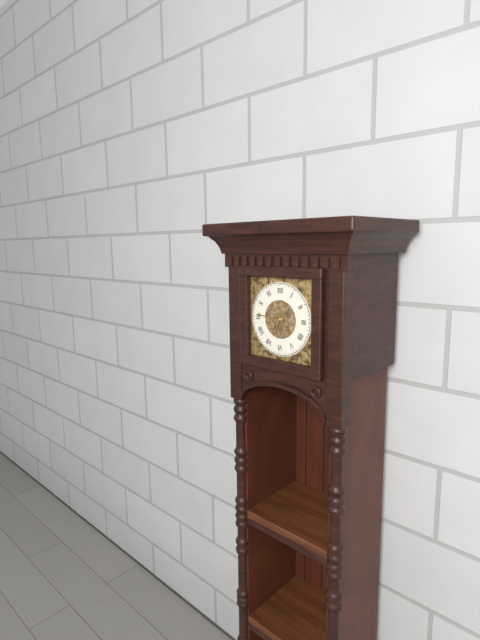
6:46
